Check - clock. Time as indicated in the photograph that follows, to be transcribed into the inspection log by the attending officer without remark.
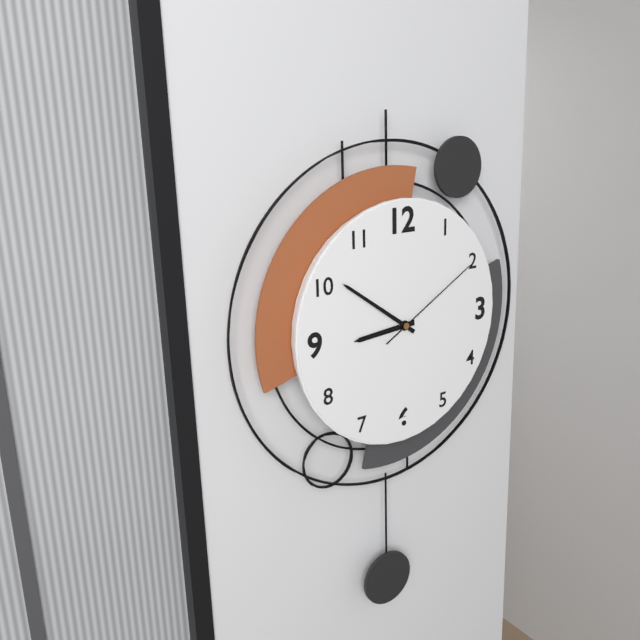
8:51:10
